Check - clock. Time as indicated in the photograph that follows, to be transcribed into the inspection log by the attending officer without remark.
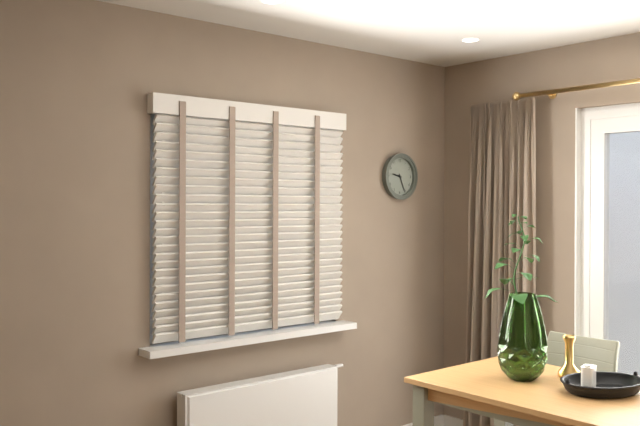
9:26
